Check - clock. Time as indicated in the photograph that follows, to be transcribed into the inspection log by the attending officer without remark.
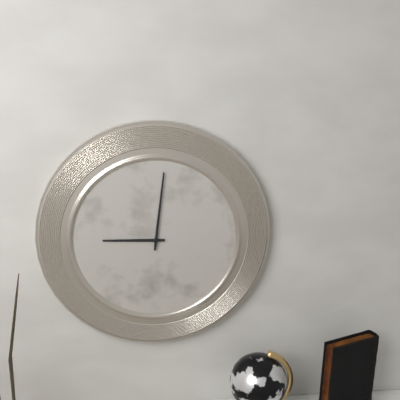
9:01
